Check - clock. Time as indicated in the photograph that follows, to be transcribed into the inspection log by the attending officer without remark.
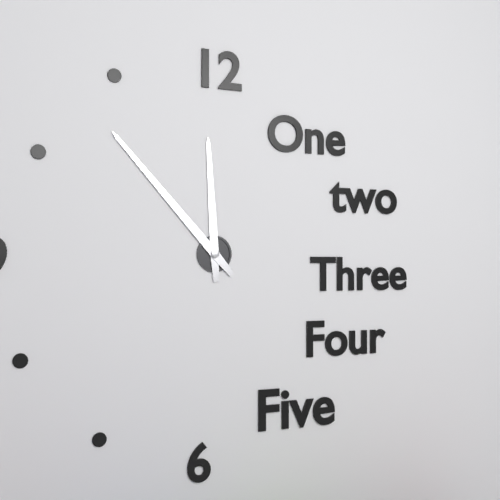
11:53
